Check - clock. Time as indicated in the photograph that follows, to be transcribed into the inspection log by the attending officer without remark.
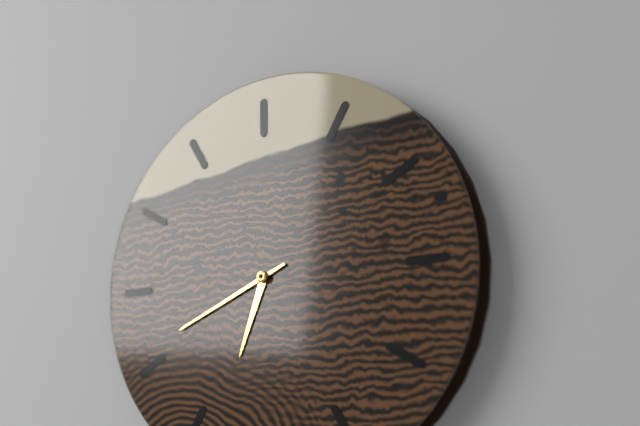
6:41
